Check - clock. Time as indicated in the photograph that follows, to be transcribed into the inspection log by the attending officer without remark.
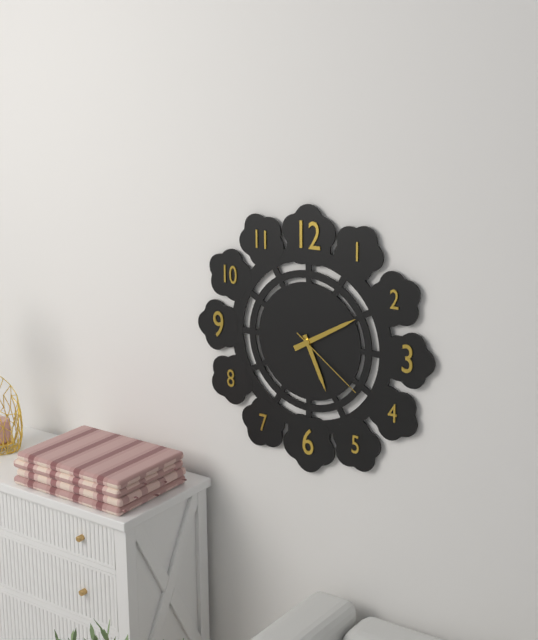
5:10:21
